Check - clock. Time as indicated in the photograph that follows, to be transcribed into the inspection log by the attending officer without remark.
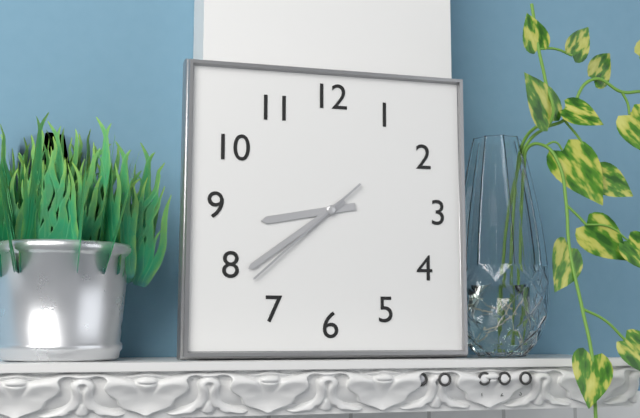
8:39:38
